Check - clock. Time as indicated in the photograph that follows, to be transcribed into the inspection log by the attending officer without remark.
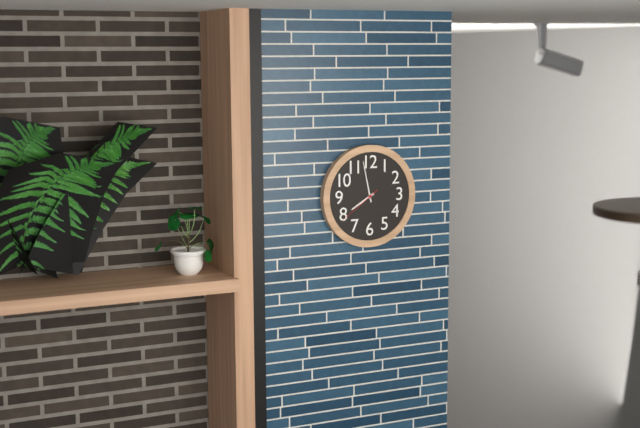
7:58
